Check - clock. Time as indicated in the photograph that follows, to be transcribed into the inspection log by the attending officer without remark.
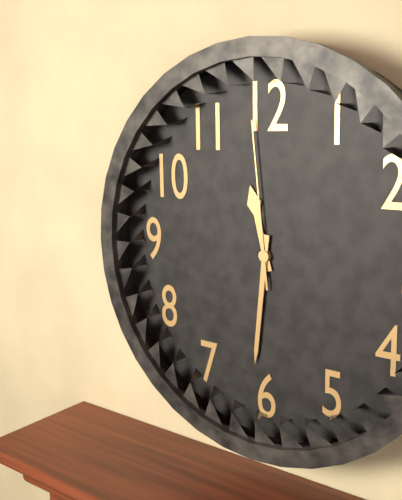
11:31:59
